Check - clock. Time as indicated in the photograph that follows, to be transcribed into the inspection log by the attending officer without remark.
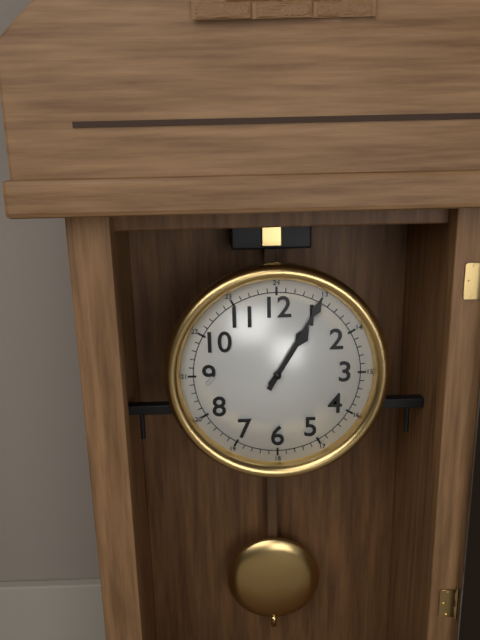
1:05
